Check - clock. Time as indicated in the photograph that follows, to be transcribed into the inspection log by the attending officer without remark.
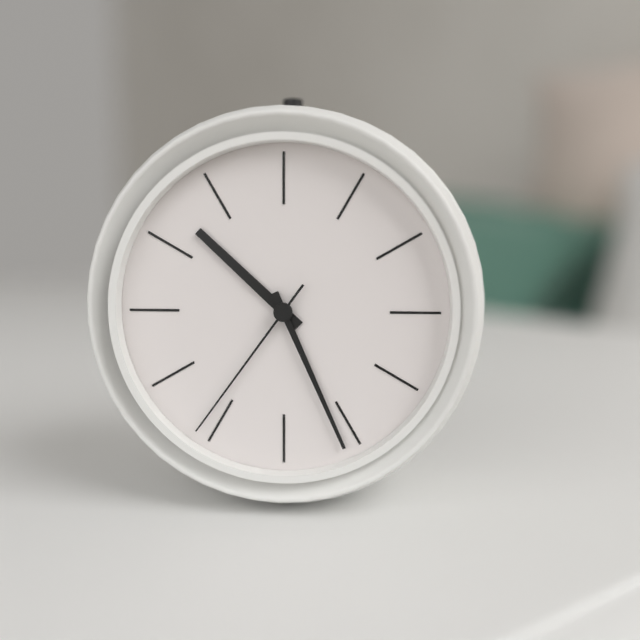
10:26:36
